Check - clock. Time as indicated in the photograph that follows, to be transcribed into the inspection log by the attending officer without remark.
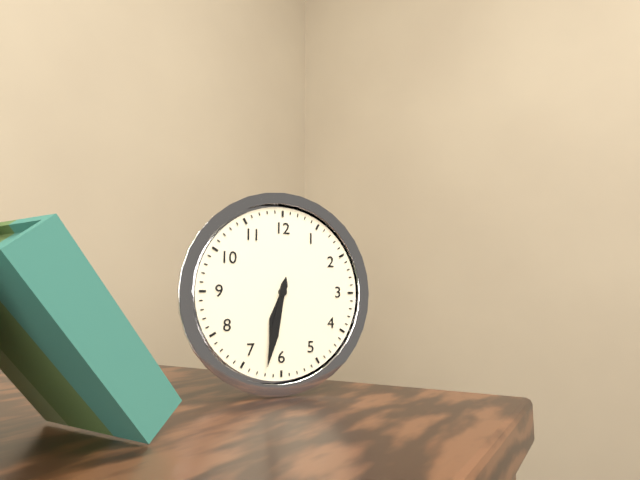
6:32
